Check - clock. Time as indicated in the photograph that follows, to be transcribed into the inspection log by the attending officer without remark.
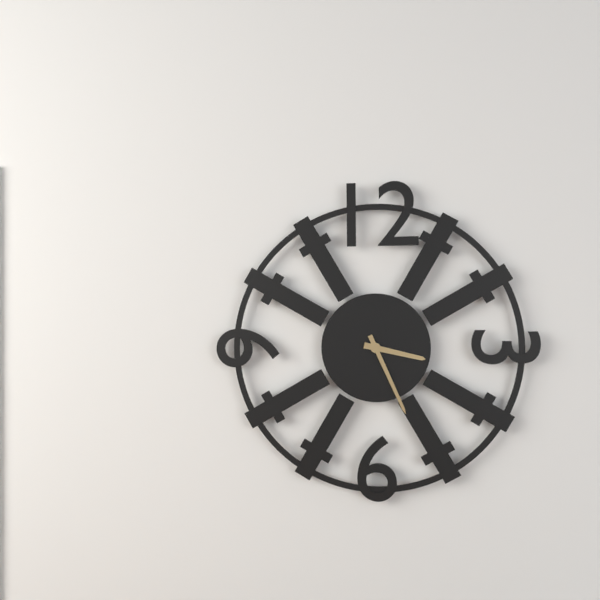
3:26
